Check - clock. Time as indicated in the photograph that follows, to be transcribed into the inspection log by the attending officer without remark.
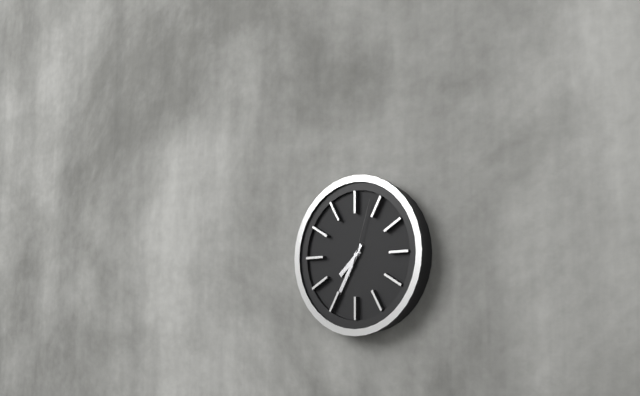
7:35:03
